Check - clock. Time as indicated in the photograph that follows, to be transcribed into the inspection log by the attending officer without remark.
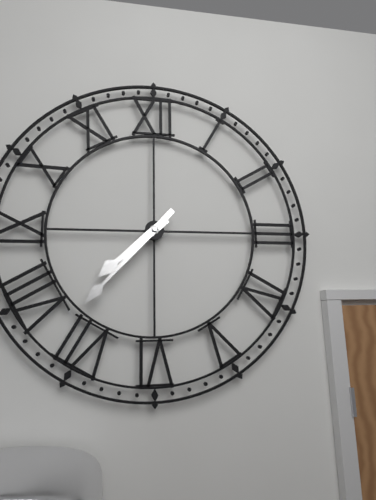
7:37
